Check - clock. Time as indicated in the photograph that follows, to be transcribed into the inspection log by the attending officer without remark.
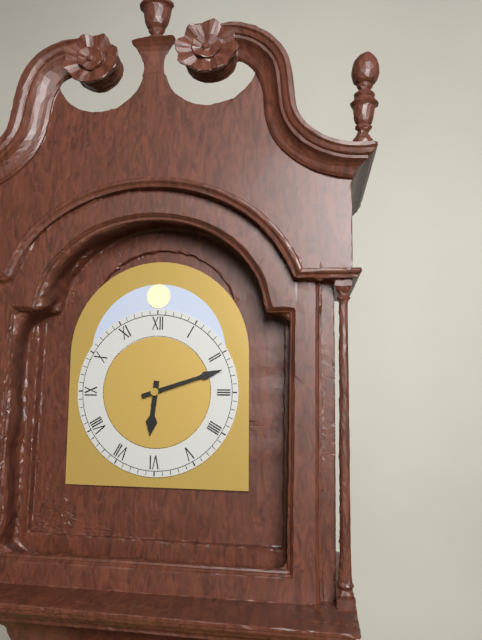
6:12
